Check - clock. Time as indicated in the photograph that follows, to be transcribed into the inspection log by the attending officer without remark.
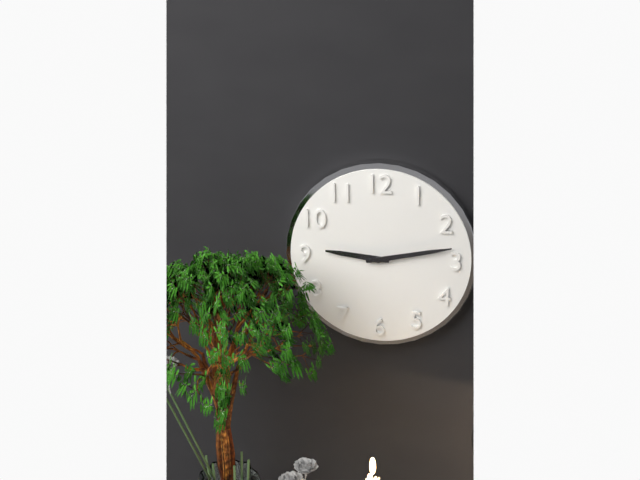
9:13
